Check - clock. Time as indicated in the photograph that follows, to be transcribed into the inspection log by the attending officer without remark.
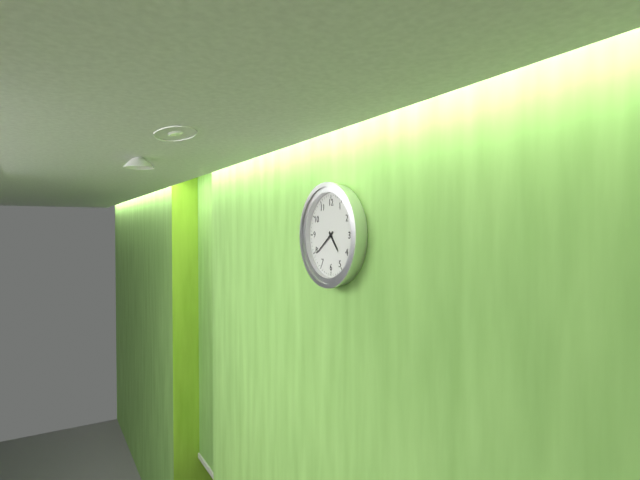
4:39
